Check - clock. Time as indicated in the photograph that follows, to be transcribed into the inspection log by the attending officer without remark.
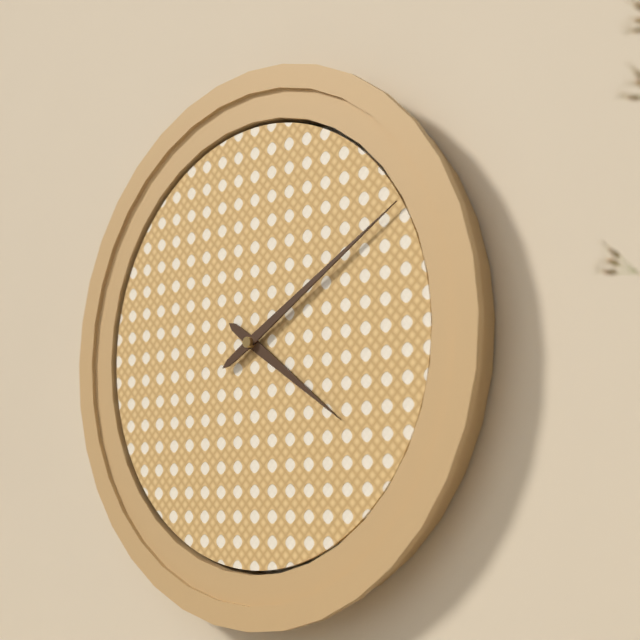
4:10
